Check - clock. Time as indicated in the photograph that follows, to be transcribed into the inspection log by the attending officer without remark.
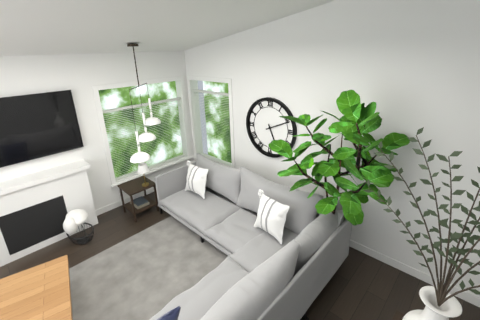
5:11
